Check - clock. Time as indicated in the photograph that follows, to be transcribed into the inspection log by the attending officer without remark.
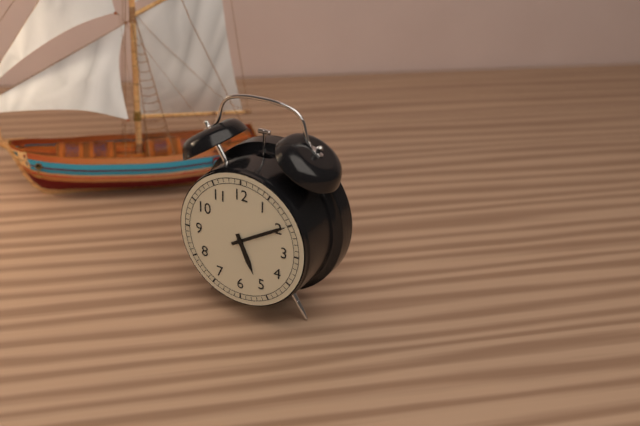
5:10
